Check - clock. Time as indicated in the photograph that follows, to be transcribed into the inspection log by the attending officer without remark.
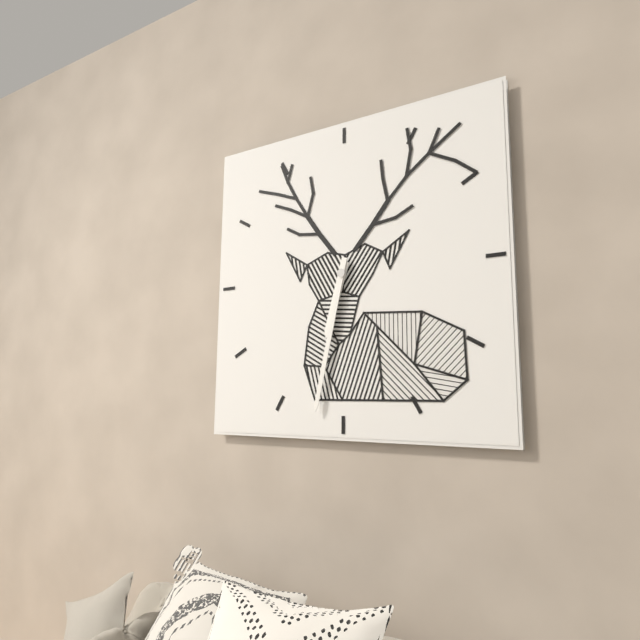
6:32
